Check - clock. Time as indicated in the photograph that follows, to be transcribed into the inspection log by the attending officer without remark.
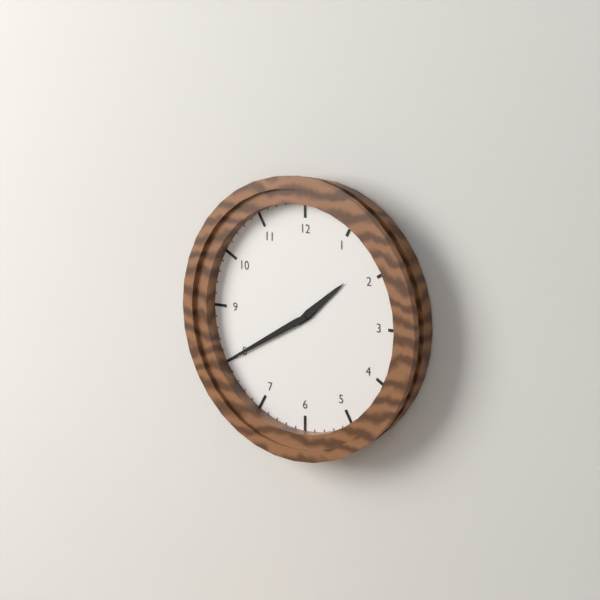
1:40
